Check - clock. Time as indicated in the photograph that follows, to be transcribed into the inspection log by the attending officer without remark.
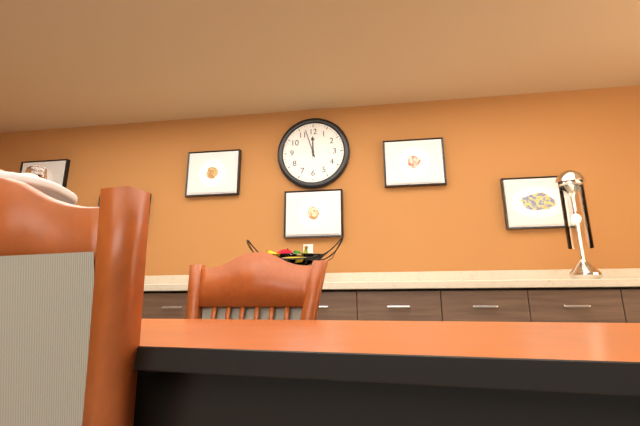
11:57
